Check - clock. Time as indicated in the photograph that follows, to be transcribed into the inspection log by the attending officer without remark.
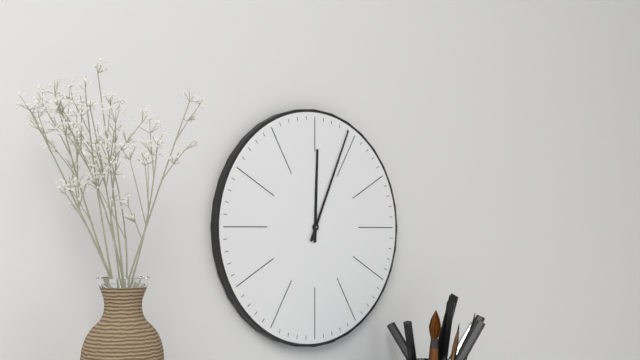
12:04
